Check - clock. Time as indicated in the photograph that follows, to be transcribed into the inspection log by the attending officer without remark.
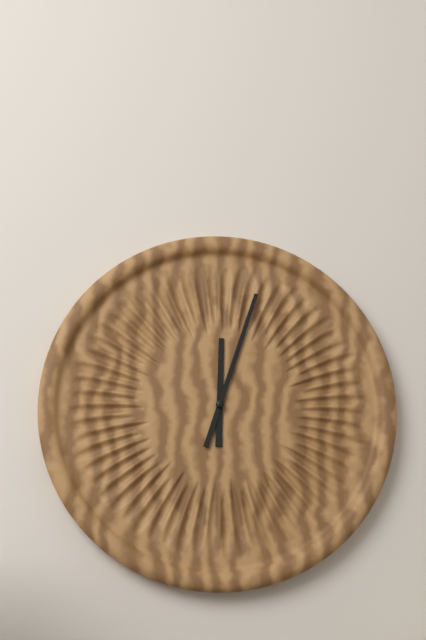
12:03
